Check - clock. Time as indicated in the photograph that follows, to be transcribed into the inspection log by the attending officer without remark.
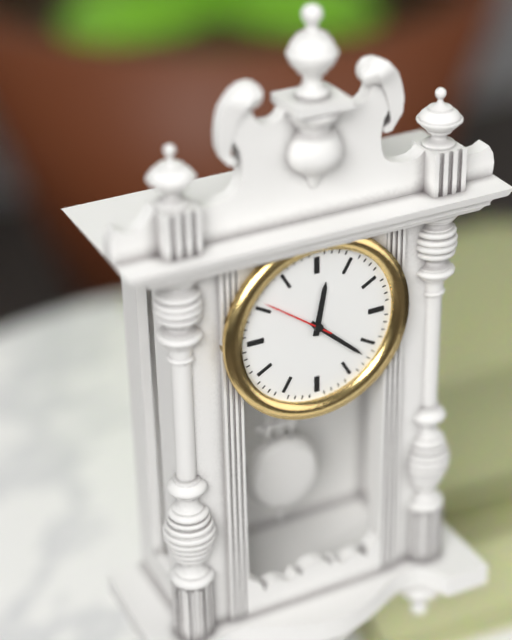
12:22:51
